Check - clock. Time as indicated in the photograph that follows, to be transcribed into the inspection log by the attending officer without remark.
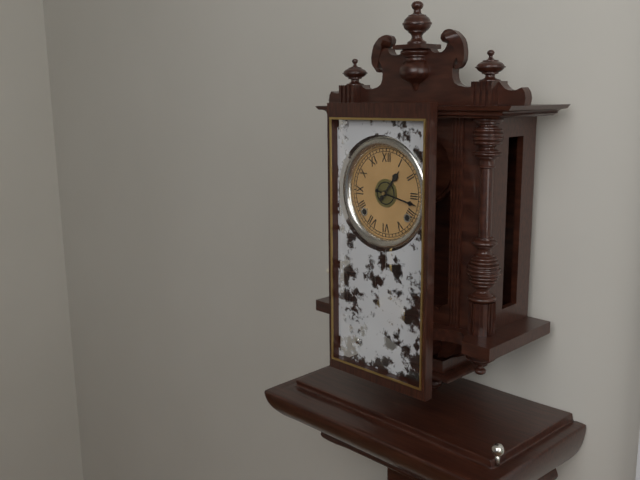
1:17
